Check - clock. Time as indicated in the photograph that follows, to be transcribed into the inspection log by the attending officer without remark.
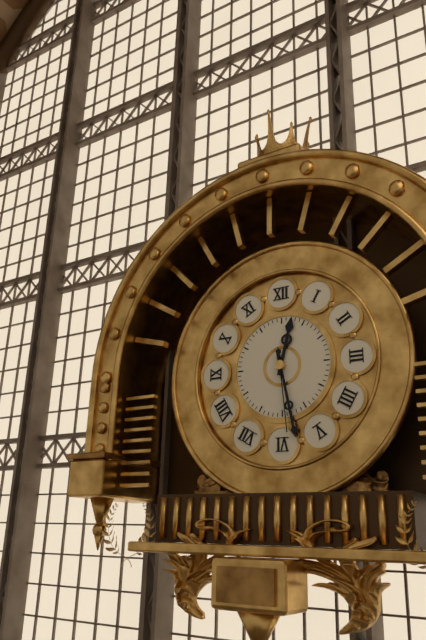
12:28:29
